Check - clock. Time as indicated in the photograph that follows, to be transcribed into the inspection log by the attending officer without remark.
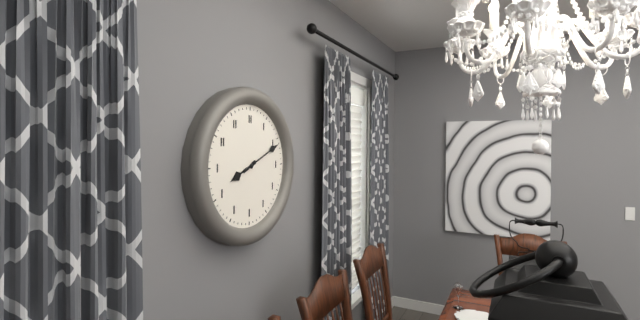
8:11
